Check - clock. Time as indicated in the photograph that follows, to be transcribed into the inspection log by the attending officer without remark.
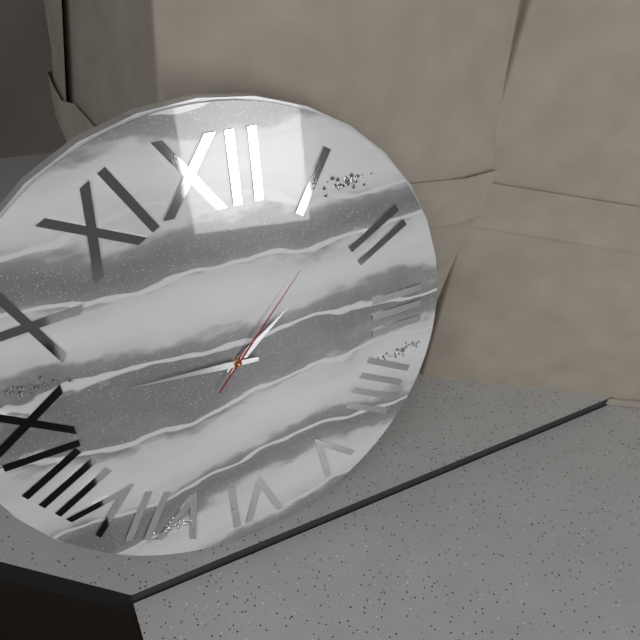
1:46:07
